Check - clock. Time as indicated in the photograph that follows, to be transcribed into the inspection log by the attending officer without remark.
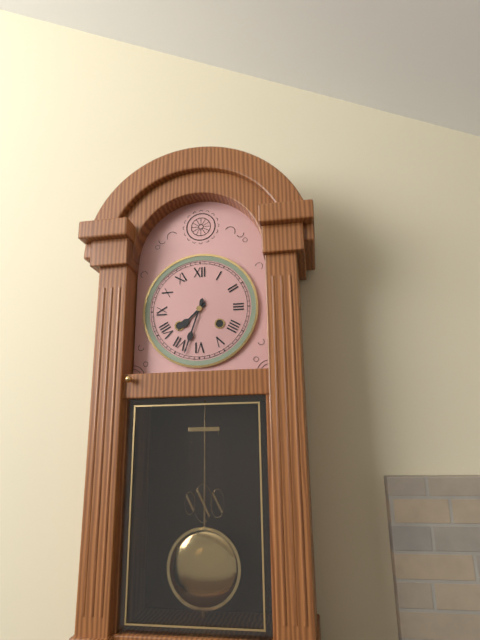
7:33
